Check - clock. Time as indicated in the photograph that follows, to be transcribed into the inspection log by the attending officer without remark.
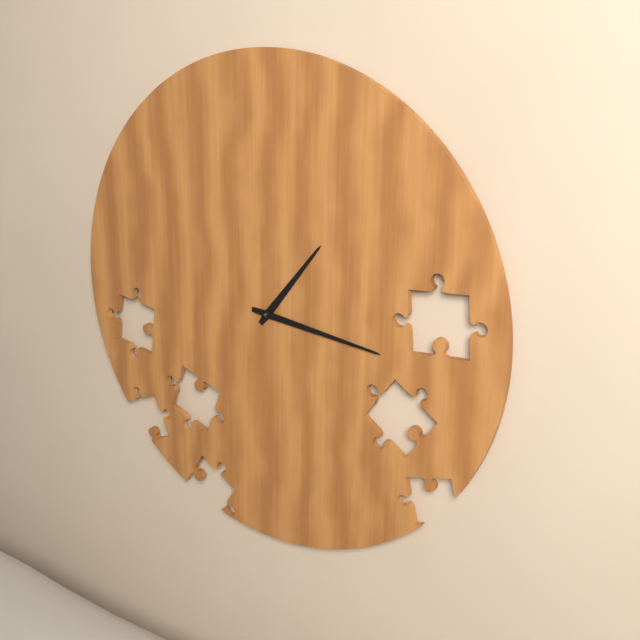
1:16
